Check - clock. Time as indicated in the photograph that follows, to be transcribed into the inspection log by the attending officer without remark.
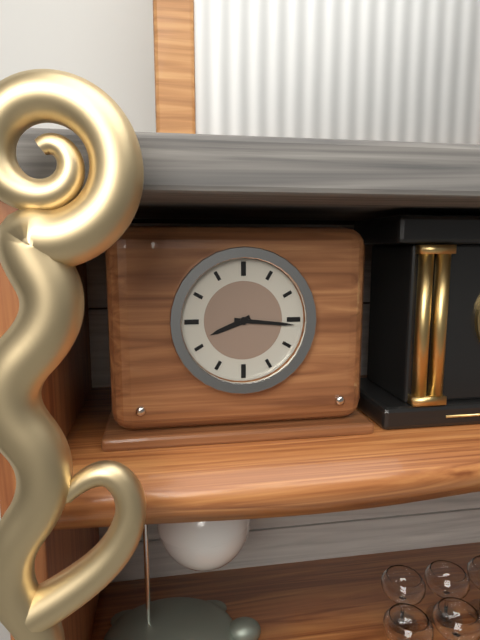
8:16
